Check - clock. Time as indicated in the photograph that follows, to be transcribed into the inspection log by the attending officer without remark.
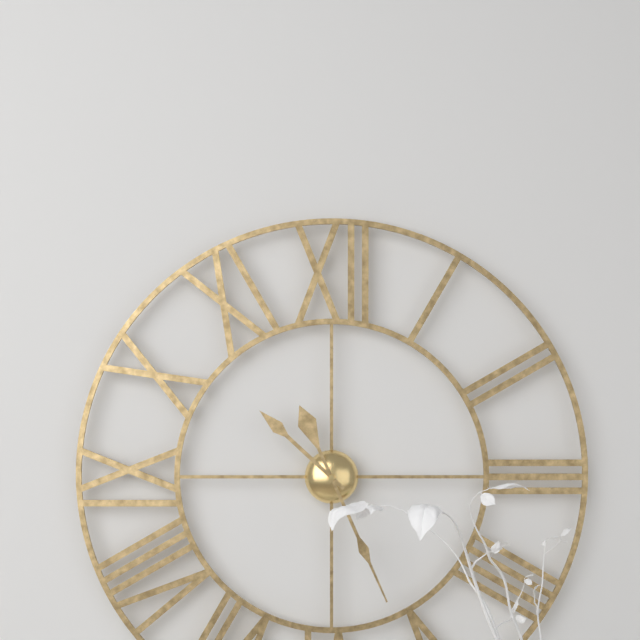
10:26
